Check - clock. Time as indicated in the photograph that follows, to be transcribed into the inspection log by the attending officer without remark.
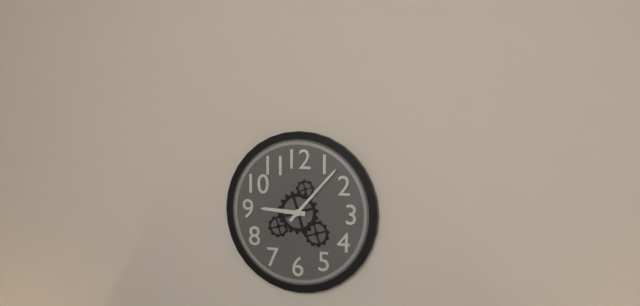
9:07
